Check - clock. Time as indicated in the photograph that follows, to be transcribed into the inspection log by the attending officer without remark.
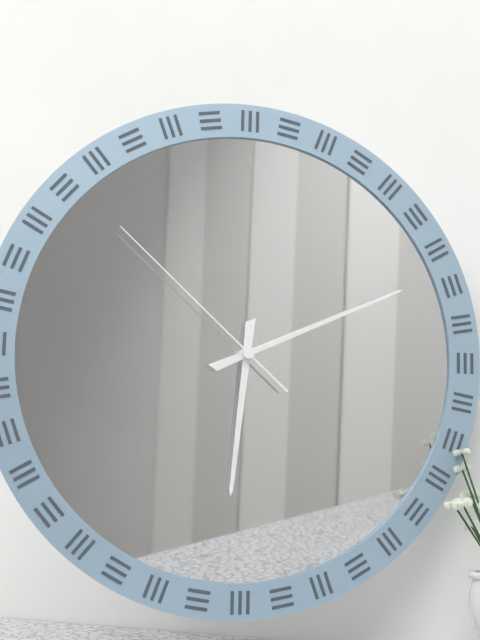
6:11:52
